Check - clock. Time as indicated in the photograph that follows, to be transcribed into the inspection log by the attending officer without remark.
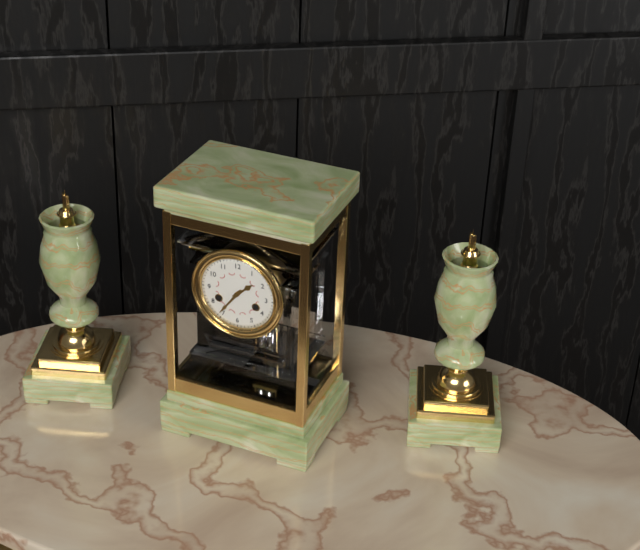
1:36
